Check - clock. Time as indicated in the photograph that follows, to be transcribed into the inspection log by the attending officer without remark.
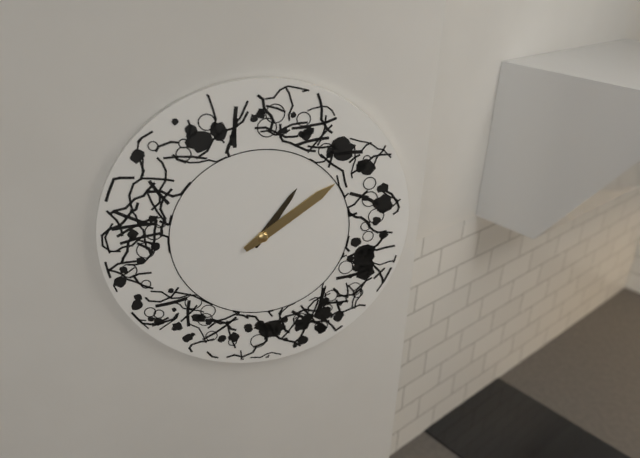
1:09
